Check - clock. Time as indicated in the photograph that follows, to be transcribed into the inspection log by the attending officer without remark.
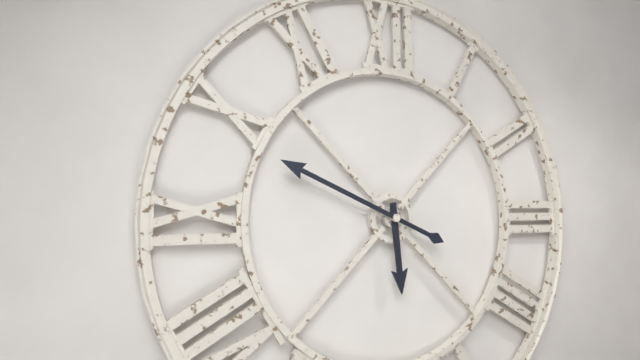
5:49
